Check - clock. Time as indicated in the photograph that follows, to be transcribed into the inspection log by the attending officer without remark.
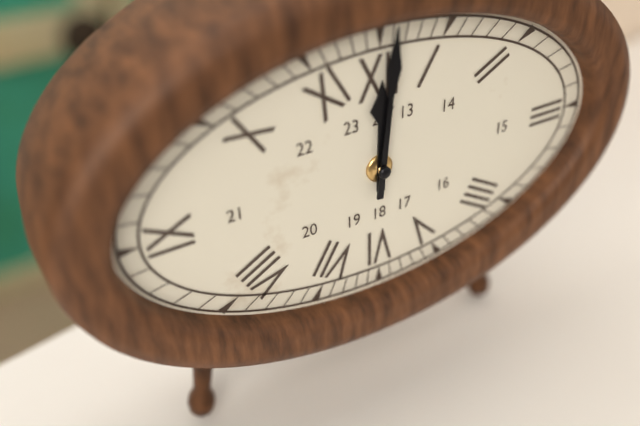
12:01
